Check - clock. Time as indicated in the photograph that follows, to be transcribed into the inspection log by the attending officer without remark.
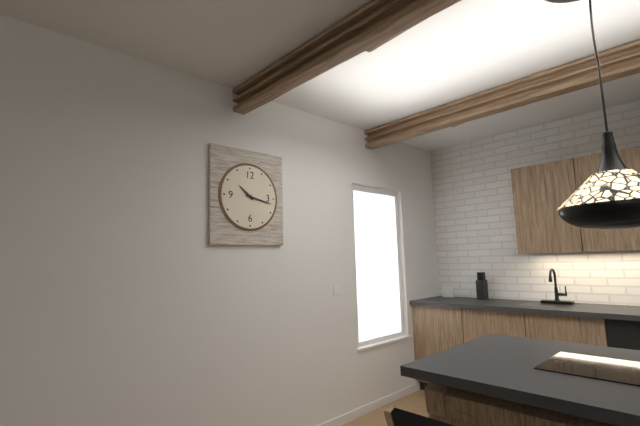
10:17
